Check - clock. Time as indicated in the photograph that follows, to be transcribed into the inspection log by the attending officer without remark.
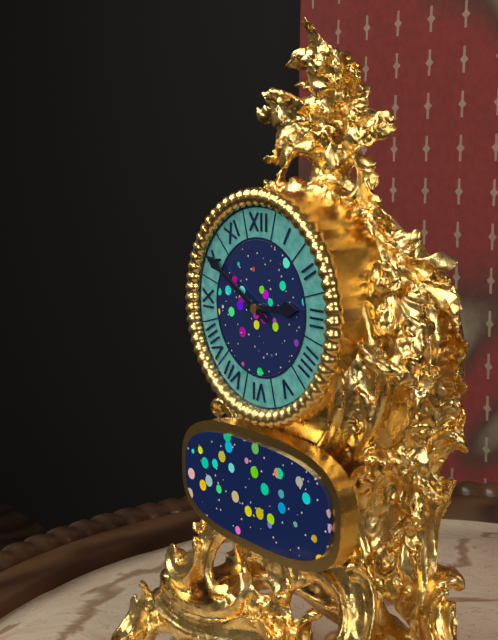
2:50
